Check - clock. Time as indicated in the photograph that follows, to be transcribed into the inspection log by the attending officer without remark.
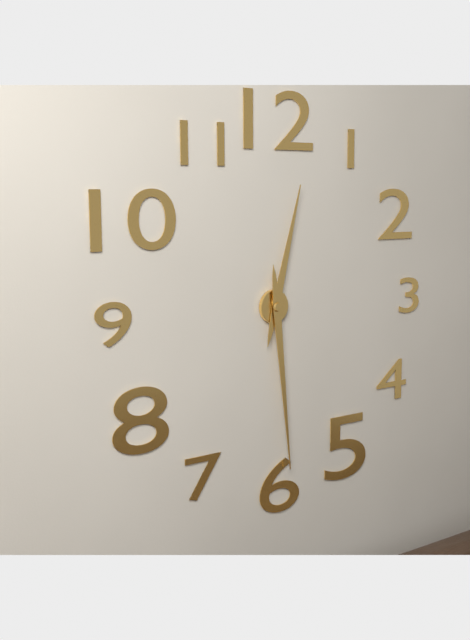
12:29
